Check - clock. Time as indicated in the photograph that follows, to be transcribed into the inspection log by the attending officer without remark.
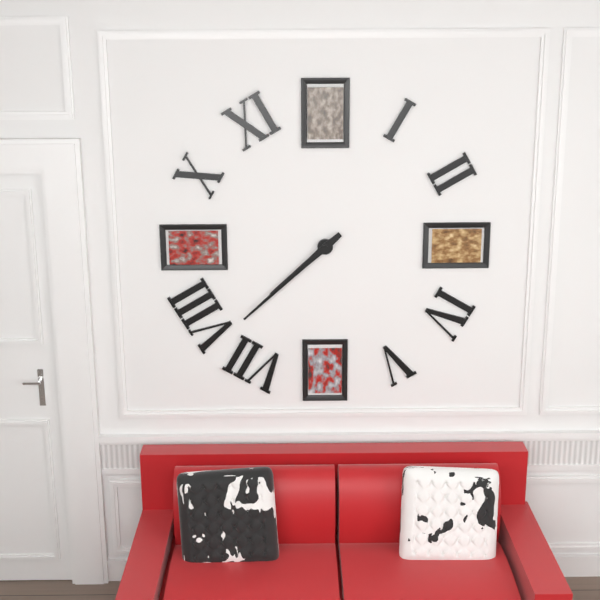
7:38
